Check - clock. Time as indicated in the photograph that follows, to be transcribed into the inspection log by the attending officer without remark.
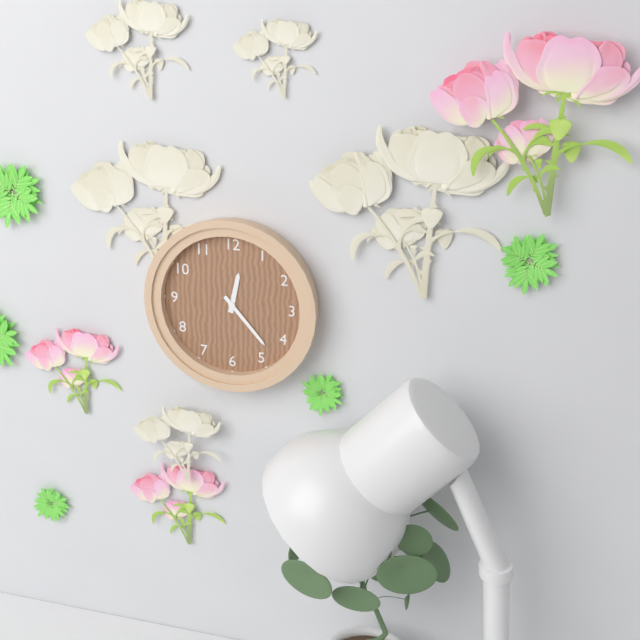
12:23
